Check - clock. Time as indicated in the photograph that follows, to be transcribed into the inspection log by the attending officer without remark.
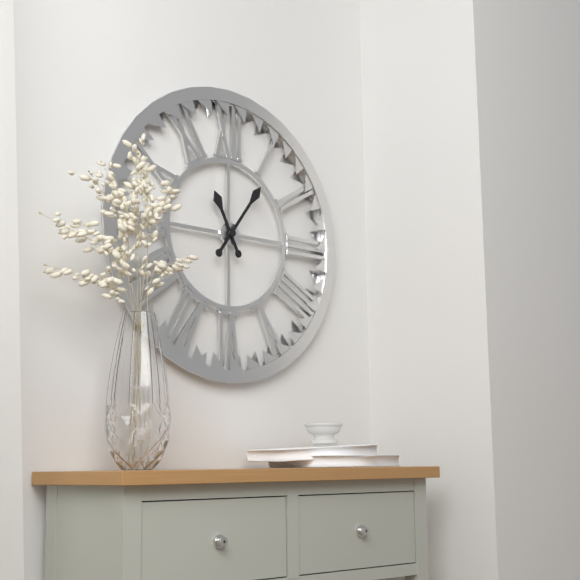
11:06
